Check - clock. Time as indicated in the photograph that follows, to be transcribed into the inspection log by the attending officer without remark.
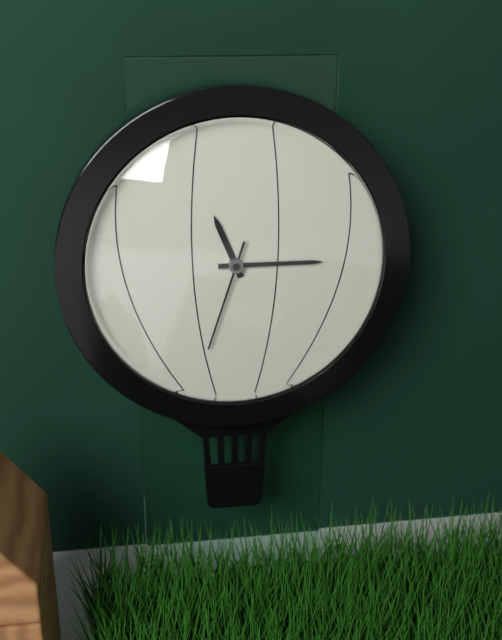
11:15:33
